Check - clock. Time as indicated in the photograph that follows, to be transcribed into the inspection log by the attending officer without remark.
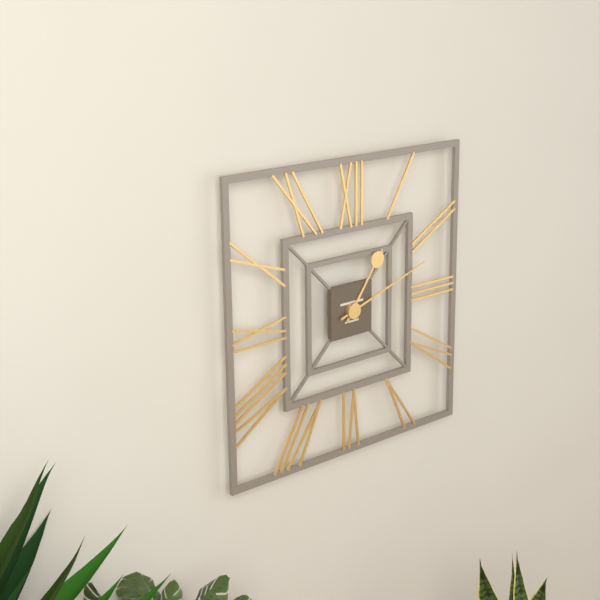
1:12
